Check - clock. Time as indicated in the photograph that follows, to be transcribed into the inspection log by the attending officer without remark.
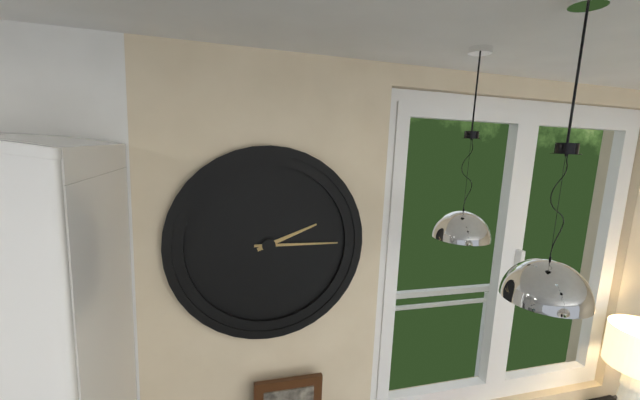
2:15
